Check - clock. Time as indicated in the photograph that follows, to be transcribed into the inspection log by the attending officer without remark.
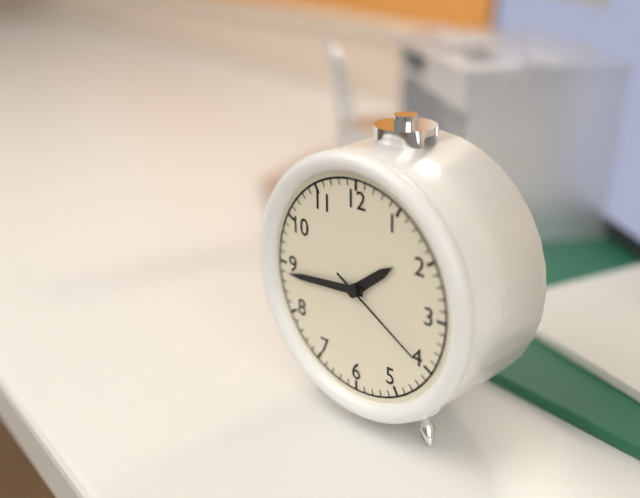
1:44:20
